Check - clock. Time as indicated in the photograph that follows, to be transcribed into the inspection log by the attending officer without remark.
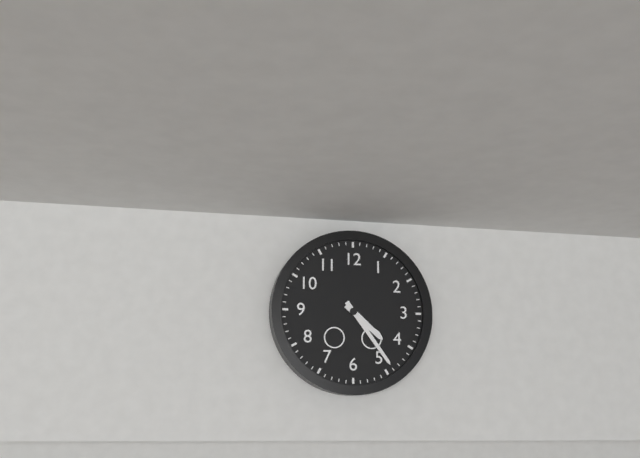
4:24
